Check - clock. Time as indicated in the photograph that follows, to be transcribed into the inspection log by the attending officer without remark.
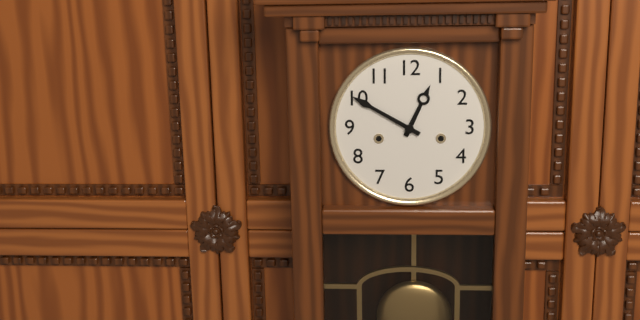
12:50
